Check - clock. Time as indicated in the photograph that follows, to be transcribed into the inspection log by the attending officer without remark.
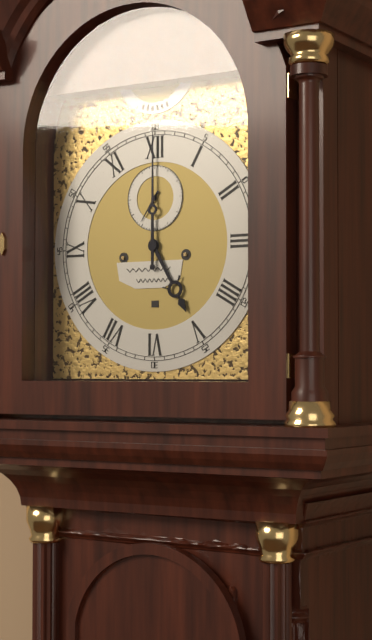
5:00
